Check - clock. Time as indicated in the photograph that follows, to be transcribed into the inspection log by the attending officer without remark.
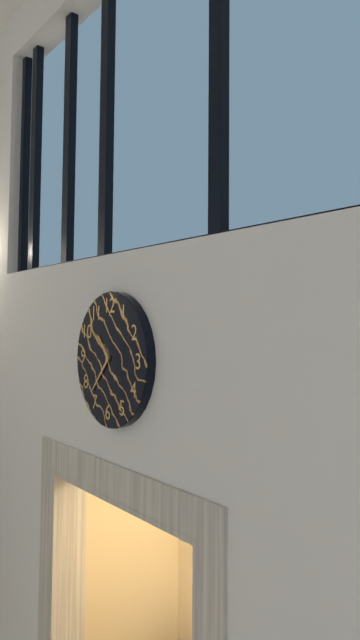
10:37
